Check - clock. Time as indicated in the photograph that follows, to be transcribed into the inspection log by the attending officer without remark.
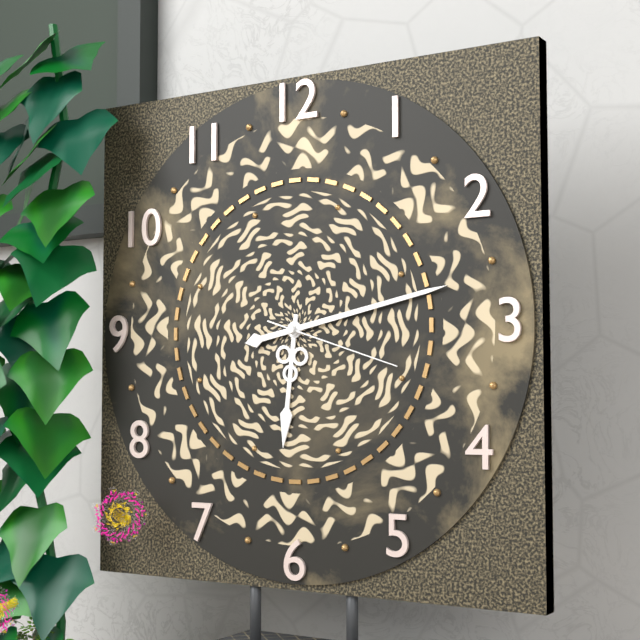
6:13:18
